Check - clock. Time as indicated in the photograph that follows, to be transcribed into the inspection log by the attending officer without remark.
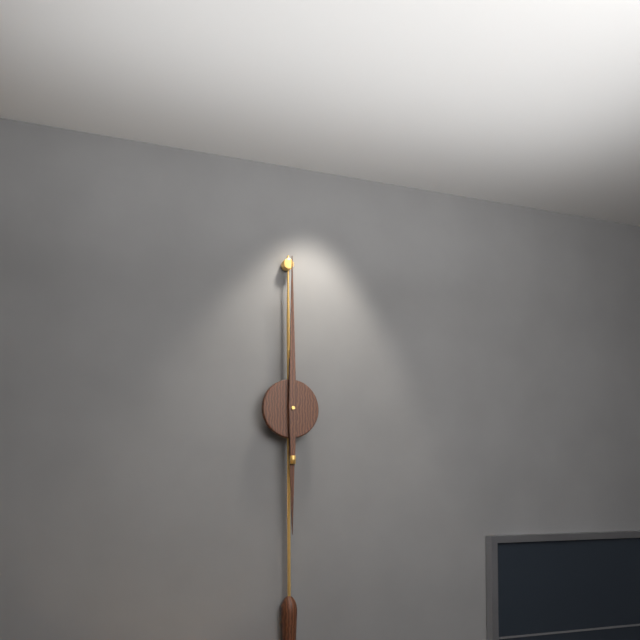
6:00
